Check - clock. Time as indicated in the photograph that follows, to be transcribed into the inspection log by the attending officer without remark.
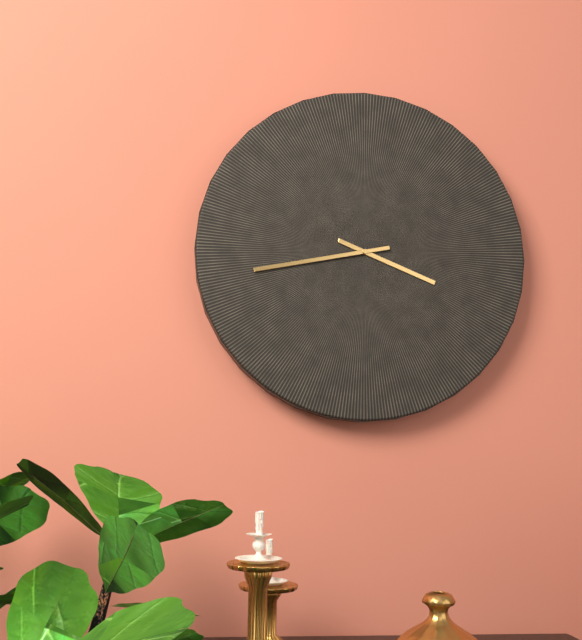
3:43
